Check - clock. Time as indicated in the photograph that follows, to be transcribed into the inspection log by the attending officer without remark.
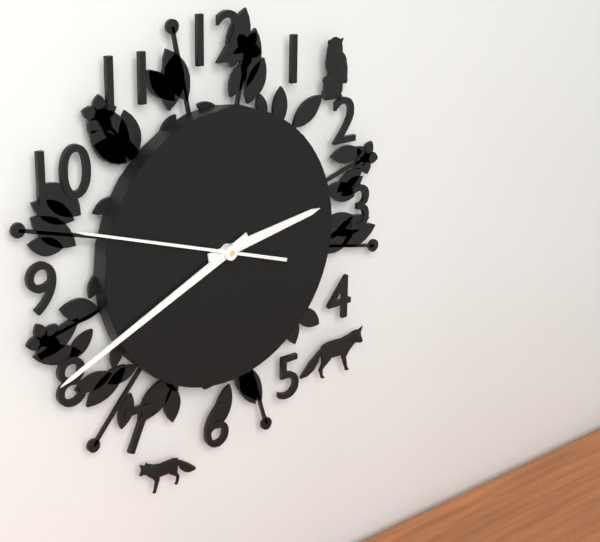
2:41:48
